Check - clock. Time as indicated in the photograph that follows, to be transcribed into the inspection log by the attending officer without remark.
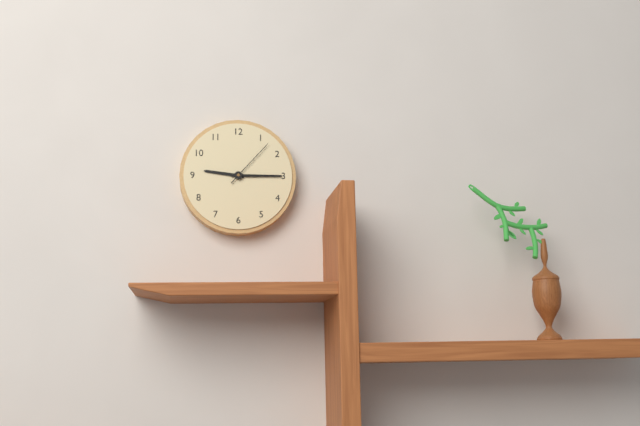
9:15:07
